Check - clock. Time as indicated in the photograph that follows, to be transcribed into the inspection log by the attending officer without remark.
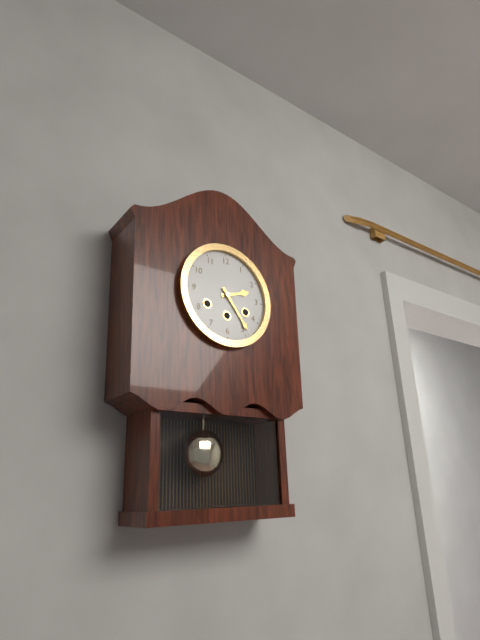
2:24
